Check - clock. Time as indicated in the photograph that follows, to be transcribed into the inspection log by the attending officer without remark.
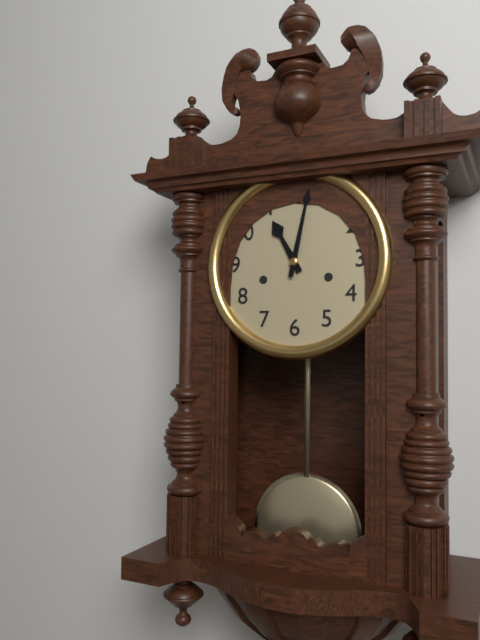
11:02
